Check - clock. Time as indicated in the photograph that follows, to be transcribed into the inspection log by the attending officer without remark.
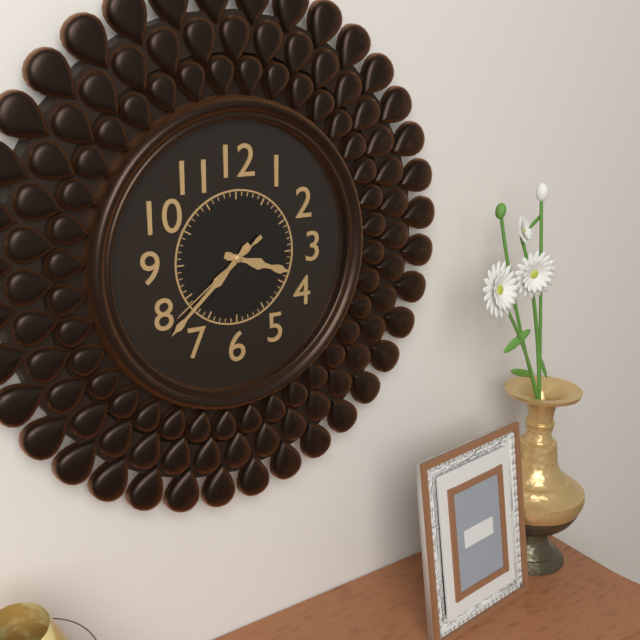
3:38:39
